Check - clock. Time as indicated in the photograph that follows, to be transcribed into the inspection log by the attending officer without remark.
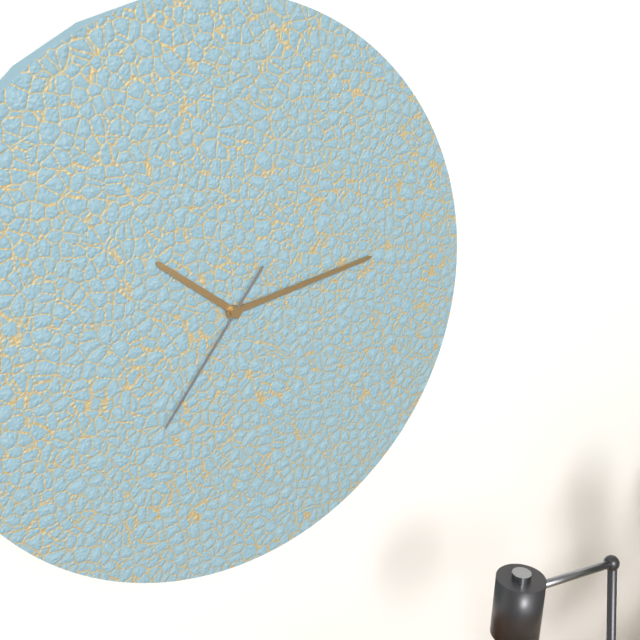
10:13:36
